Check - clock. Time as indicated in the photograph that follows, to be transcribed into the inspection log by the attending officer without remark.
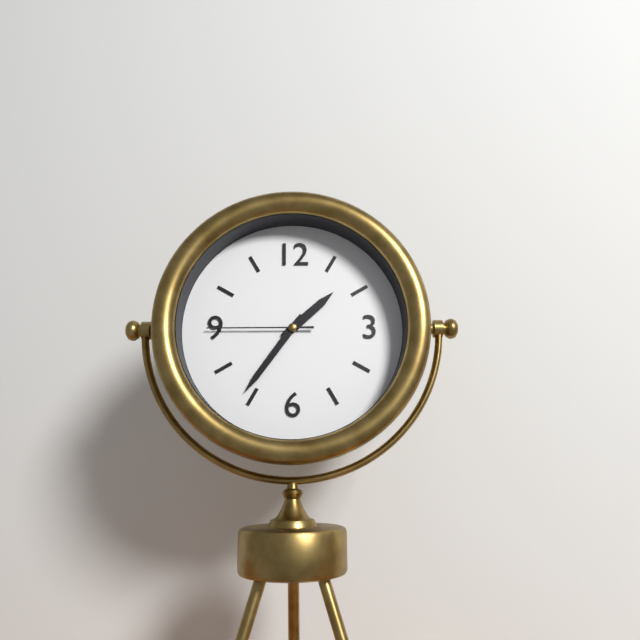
1:36:45
